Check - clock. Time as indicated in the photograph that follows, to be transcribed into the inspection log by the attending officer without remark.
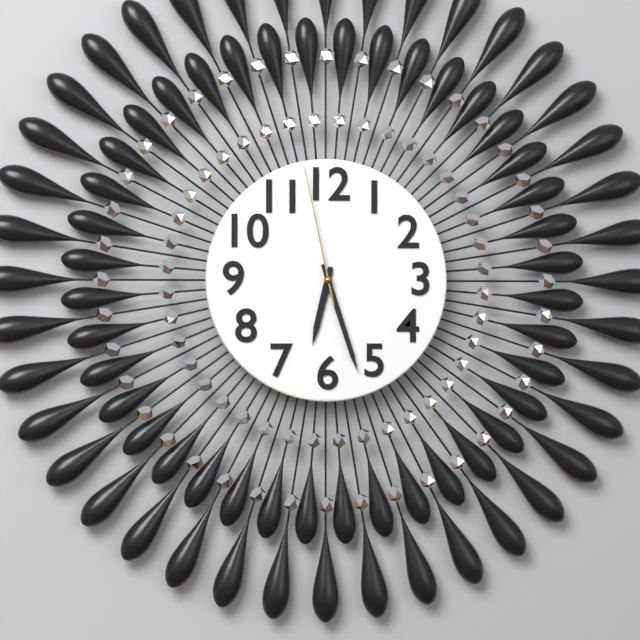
6:27:58
